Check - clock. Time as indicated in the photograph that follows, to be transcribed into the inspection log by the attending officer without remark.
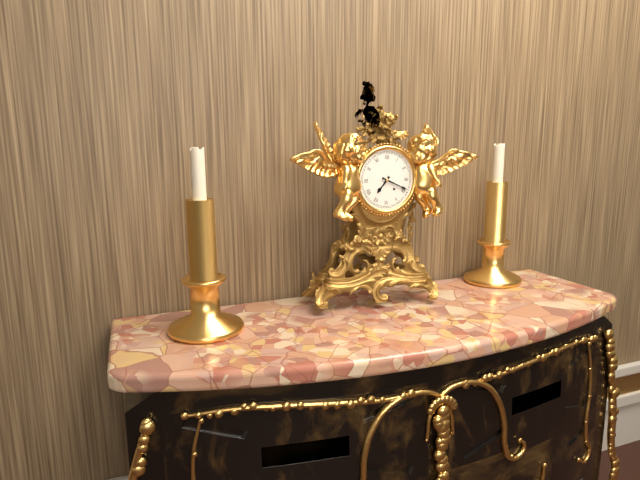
7:19
